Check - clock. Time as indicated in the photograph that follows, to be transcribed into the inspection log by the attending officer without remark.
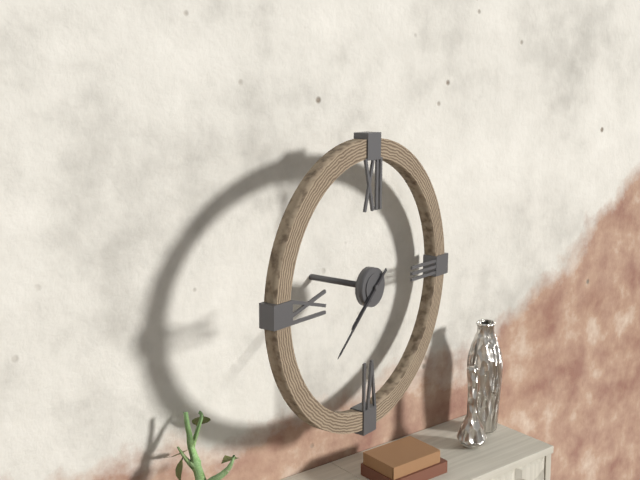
7:38
